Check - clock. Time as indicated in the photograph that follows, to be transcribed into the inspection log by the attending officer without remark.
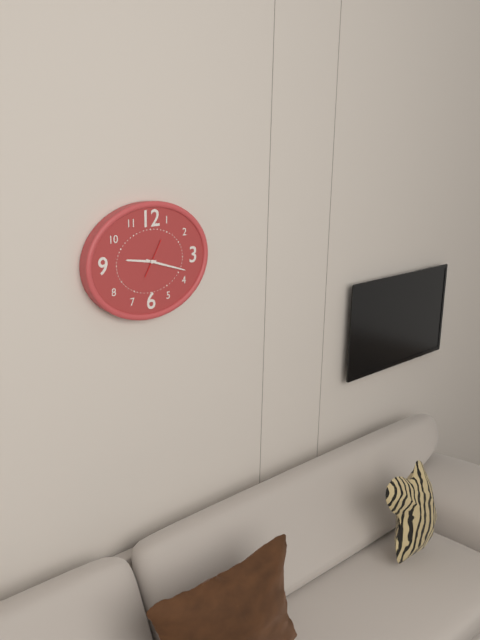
9:18
